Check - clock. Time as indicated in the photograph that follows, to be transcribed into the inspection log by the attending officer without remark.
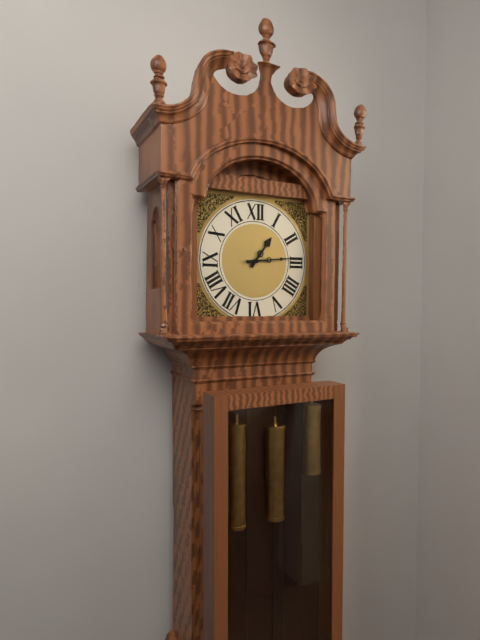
1:14
